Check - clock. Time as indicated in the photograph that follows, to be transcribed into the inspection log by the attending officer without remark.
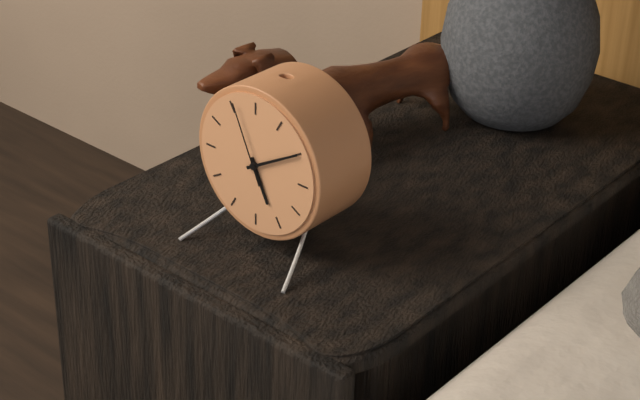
5:10:56
